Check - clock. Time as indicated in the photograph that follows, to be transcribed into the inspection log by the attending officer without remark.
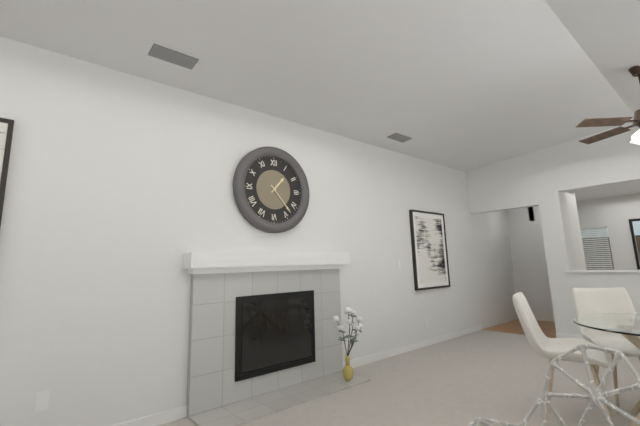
1:23
